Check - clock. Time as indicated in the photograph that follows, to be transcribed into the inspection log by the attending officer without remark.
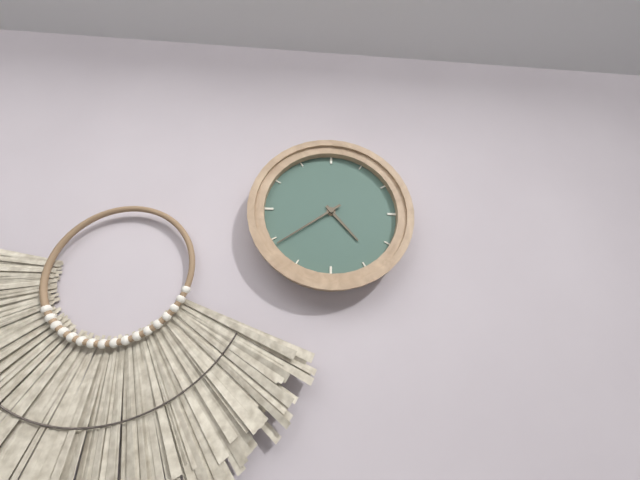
4:39
